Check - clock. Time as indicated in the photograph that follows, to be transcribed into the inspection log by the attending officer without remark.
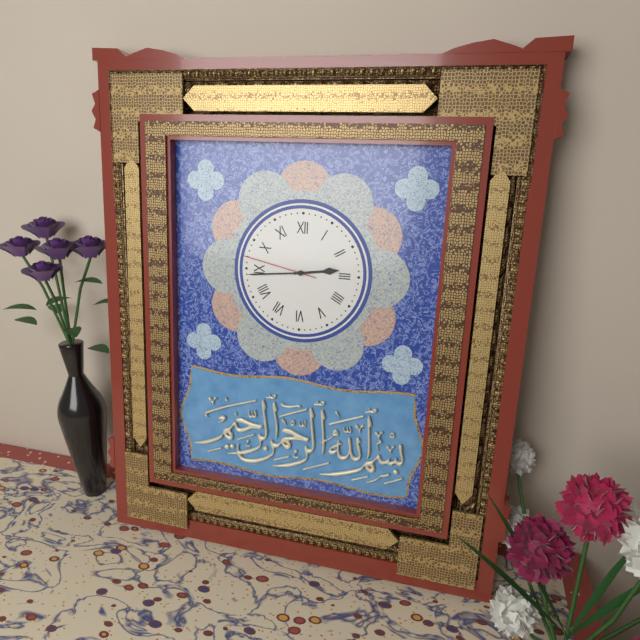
2:44:47
